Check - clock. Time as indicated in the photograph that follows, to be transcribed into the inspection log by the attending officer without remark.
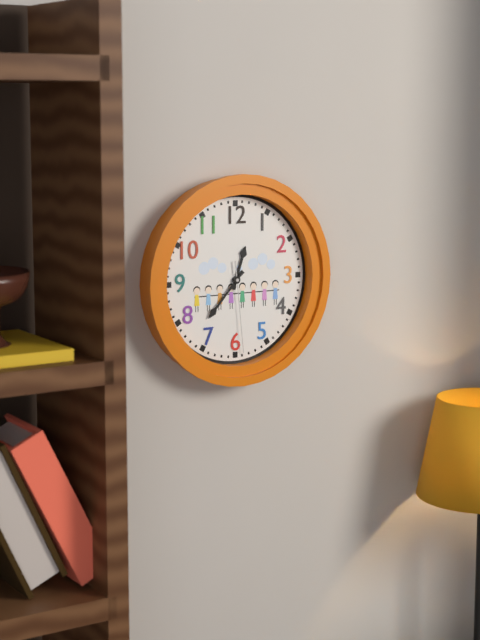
12:37:29
